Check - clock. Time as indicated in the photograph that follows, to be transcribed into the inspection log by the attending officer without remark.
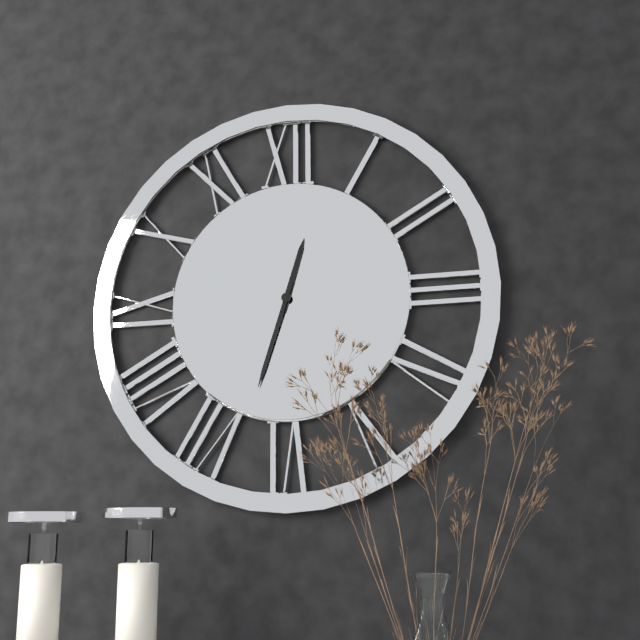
12:33
